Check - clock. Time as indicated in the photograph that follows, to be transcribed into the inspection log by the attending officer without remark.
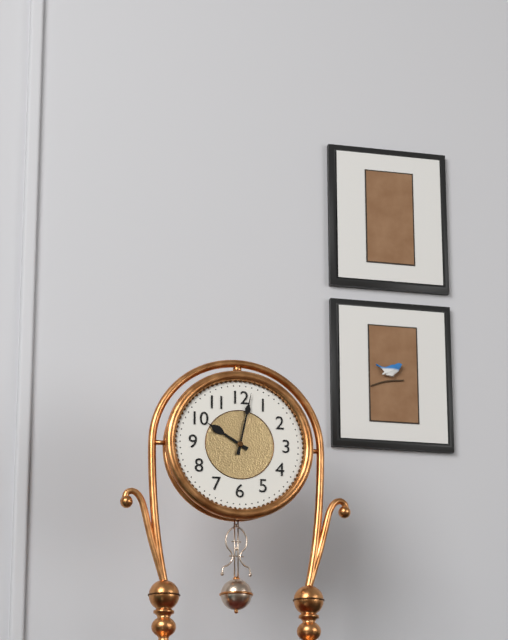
10:02
